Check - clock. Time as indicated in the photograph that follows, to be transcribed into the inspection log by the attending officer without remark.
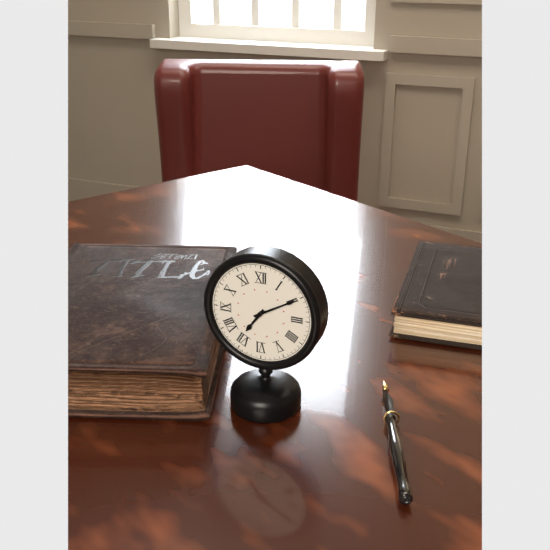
7:10
